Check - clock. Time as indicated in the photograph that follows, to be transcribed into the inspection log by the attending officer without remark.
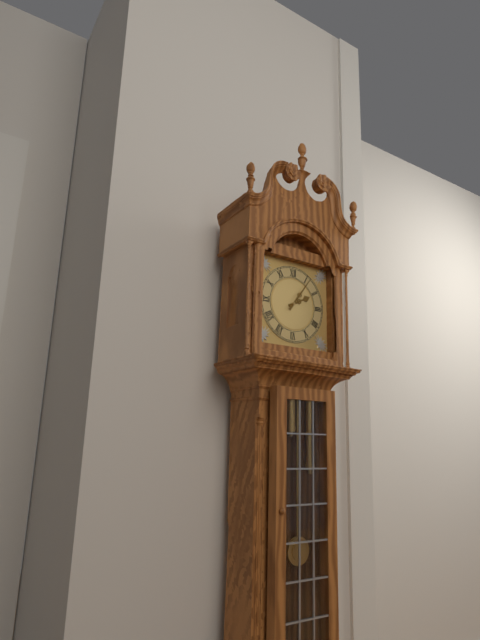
2:06
